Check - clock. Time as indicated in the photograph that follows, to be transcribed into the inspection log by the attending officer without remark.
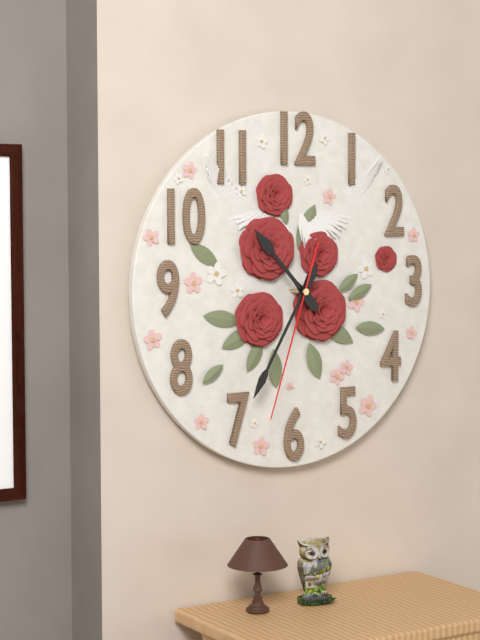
10:35:33
